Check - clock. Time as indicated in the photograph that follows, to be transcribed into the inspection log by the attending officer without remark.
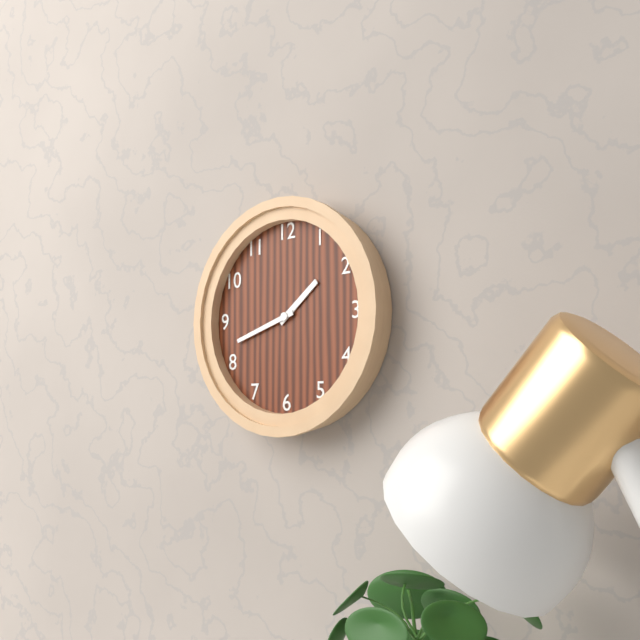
1:42
